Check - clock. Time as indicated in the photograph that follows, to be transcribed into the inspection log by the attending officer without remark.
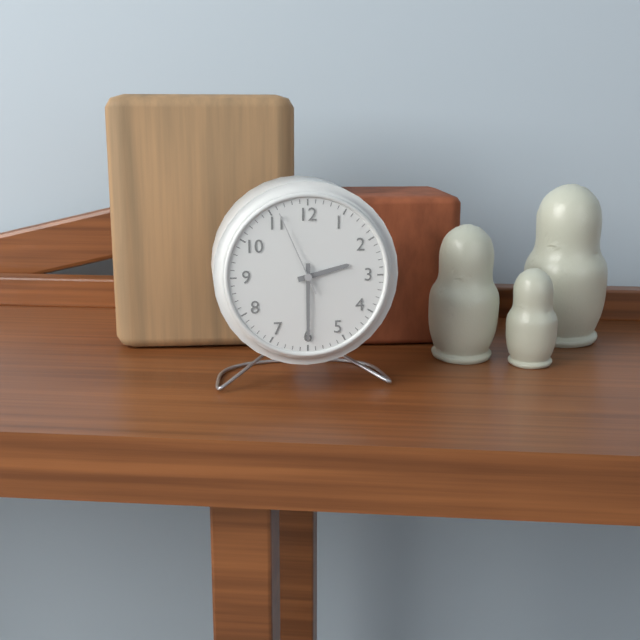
2:30:56
